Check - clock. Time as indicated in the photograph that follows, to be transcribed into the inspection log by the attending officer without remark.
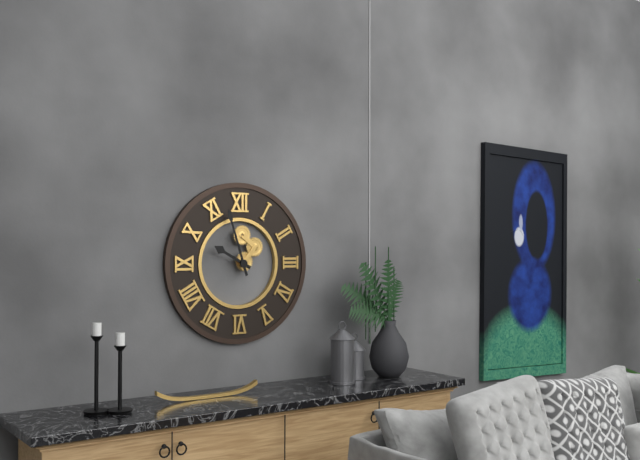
9:57
